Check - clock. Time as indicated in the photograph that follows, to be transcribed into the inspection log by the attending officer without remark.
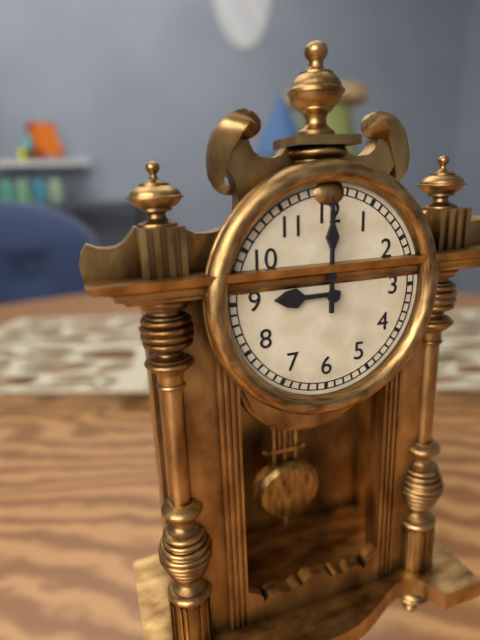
9:00
